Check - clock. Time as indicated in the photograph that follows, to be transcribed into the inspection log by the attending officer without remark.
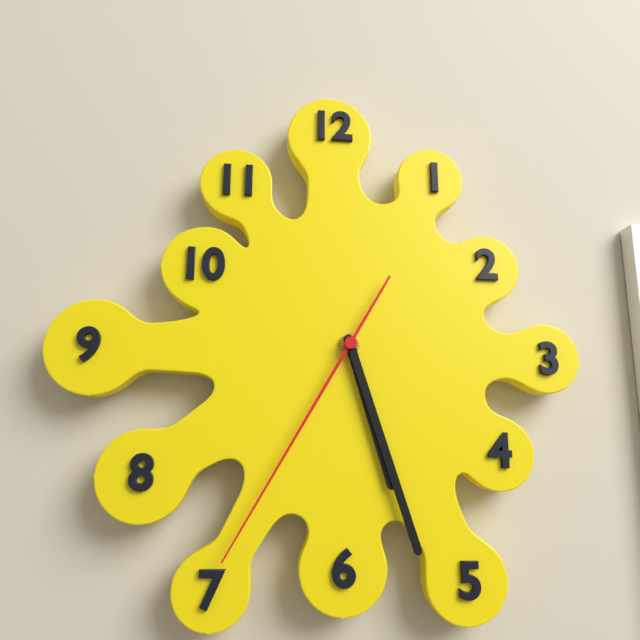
5:27:35
